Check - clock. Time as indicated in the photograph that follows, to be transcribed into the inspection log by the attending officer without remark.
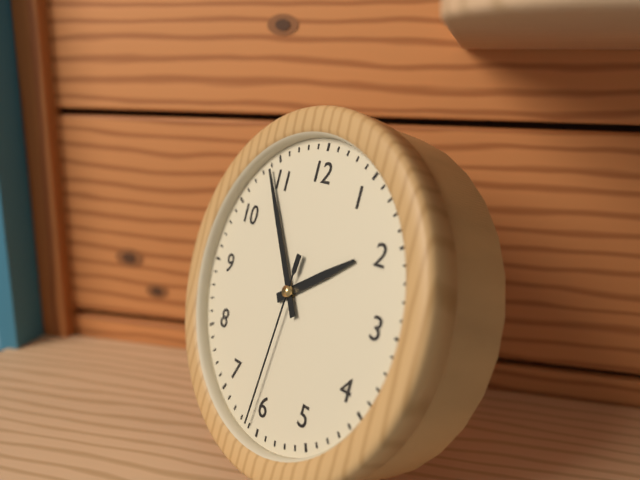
1:54:31
